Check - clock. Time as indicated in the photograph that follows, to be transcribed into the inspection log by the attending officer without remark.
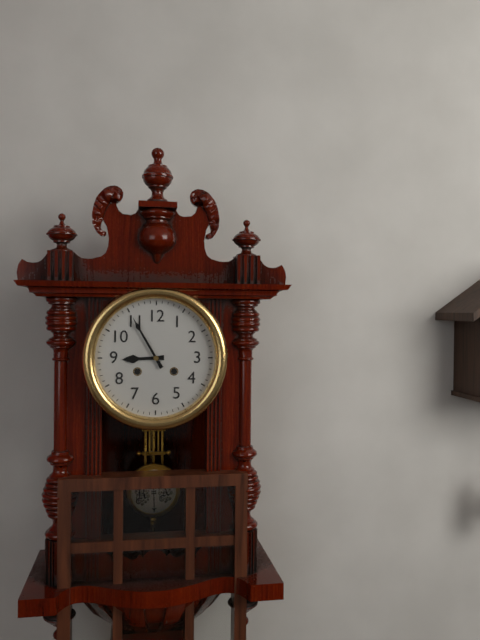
8:55
